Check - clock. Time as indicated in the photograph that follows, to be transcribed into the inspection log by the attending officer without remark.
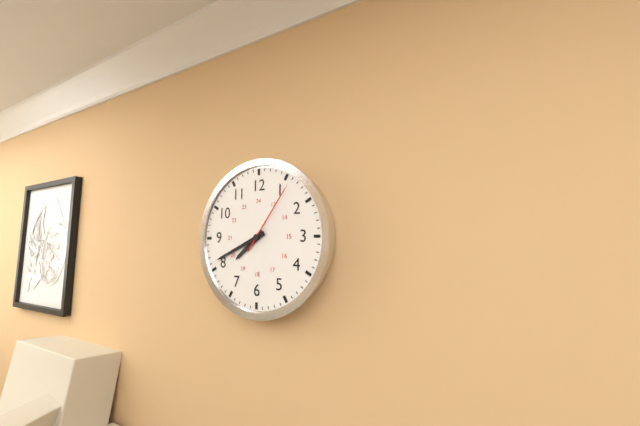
7:41:06
